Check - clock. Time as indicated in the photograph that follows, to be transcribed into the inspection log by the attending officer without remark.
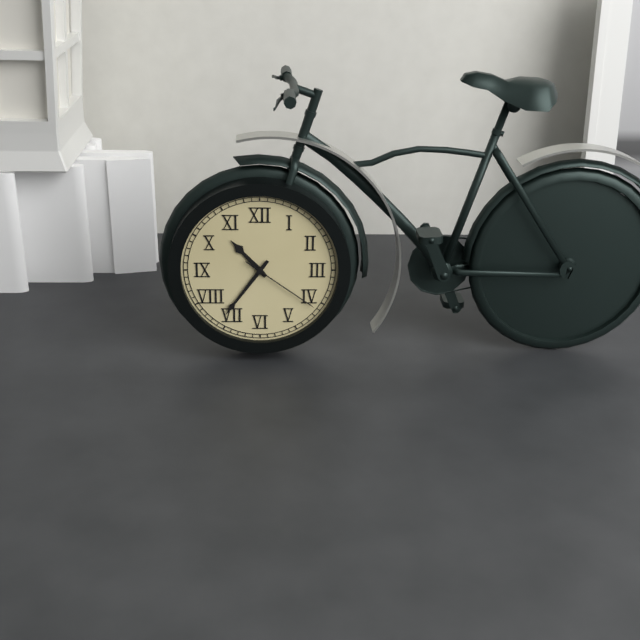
10:36:21
